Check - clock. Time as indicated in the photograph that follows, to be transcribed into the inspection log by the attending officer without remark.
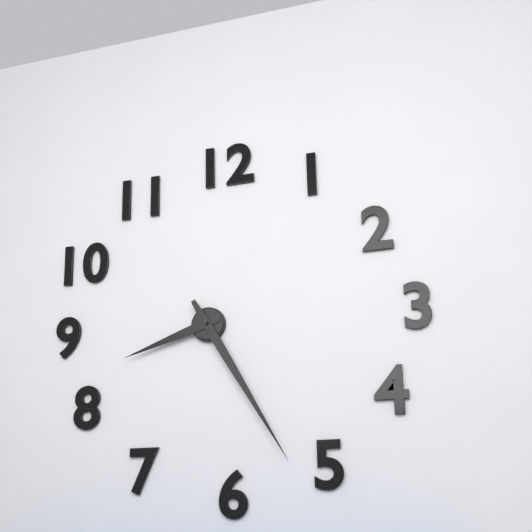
8:25
